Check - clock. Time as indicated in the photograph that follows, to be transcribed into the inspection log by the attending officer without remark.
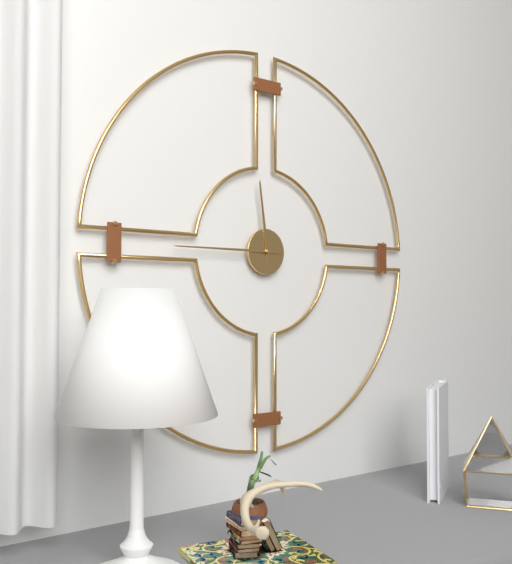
11:45
